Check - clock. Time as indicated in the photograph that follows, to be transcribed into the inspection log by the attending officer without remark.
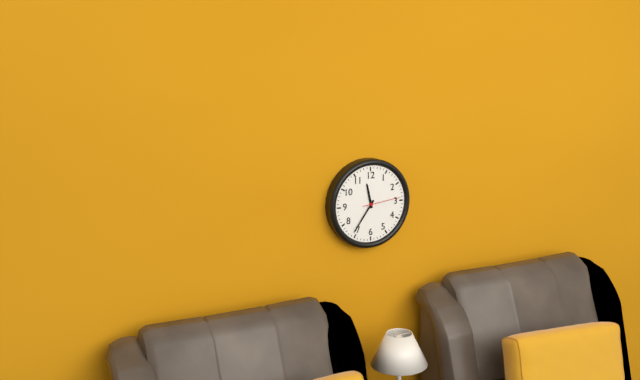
11:36
